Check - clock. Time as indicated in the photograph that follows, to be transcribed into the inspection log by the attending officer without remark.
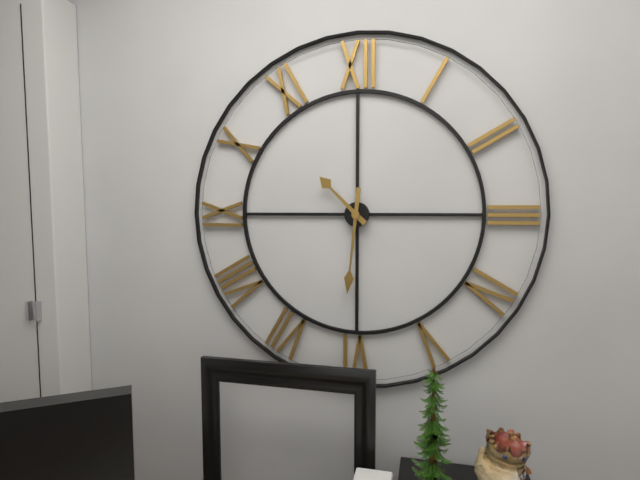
10:31
